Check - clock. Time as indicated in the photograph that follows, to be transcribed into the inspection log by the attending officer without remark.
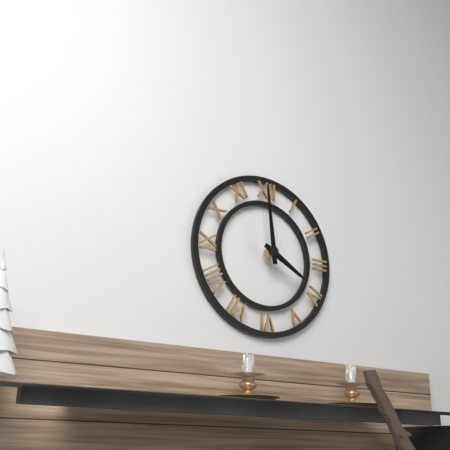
3:59
